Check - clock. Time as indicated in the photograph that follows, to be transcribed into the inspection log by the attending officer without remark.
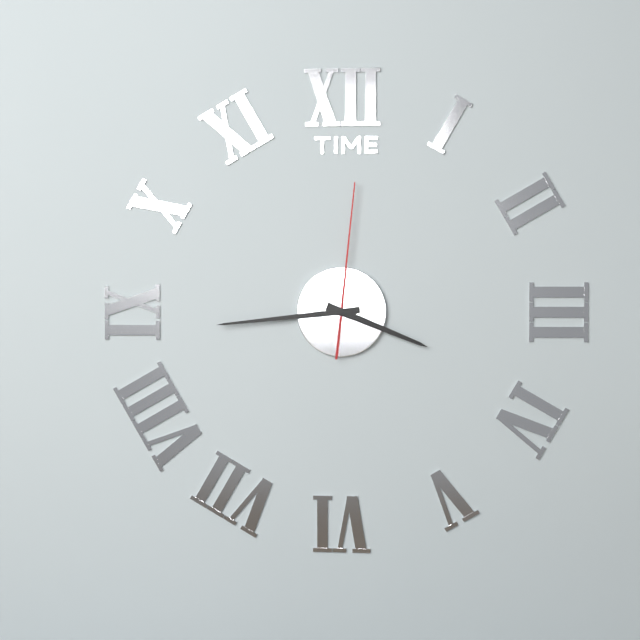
3:44:01
